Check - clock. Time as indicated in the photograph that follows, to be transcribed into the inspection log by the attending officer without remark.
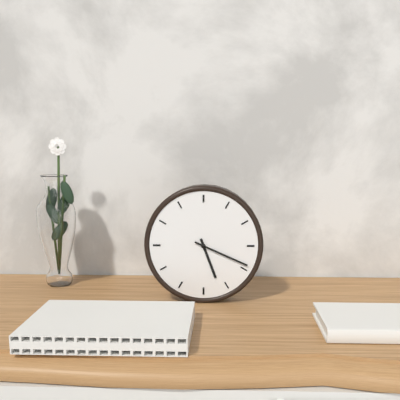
5:19
